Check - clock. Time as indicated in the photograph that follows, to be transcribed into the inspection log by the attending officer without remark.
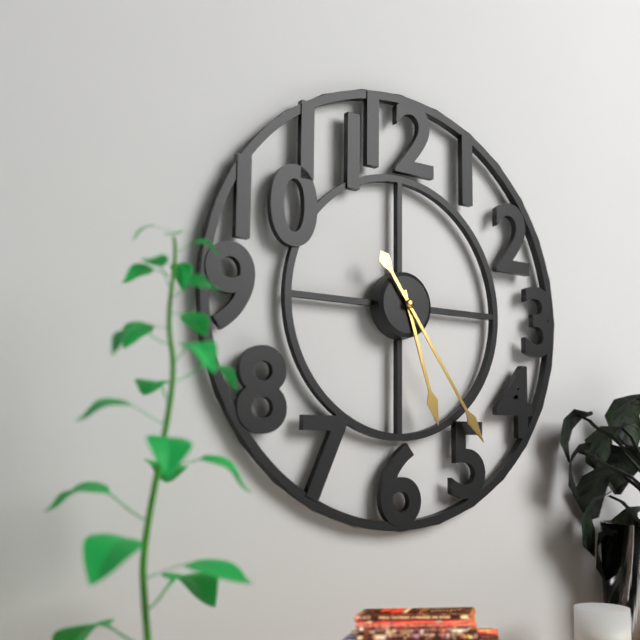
5:24
